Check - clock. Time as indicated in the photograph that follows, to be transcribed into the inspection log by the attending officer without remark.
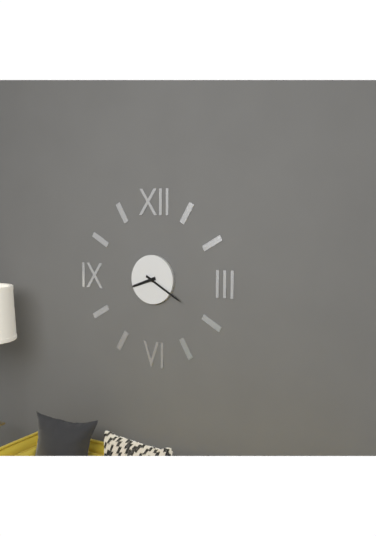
8:20
